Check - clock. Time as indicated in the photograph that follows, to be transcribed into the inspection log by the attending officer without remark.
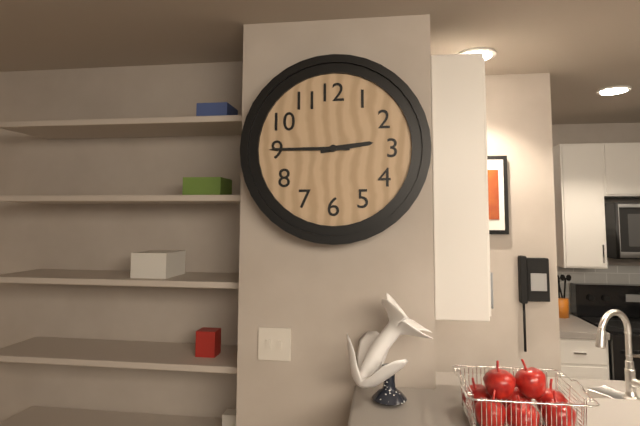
2:45
